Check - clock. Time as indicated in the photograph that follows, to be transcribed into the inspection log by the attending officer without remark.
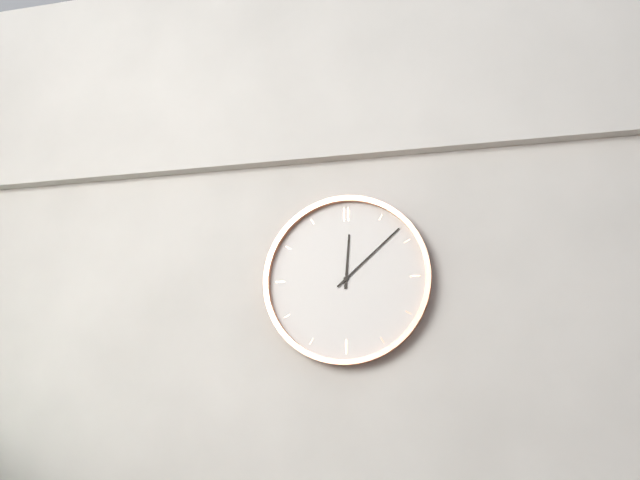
12:08
